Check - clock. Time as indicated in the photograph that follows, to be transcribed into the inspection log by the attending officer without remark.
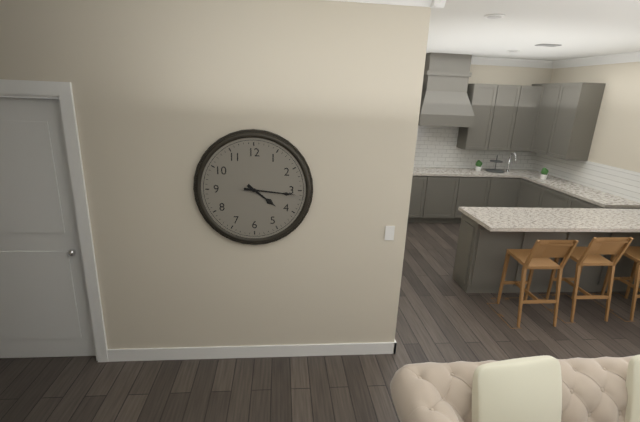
4:16
